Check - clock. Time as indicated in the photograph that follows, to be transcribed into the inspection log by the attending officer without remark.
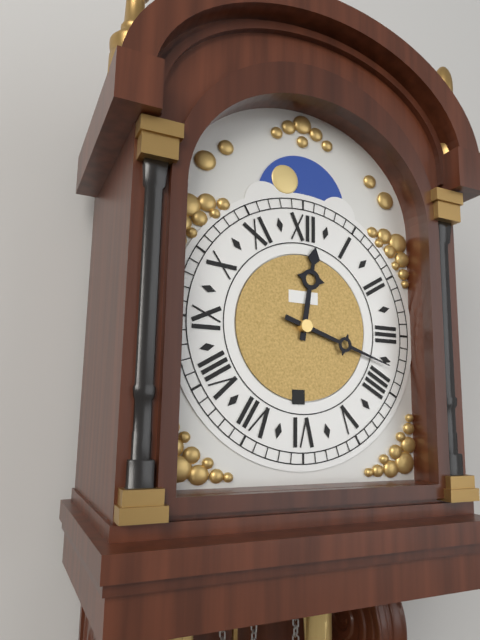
12:18
